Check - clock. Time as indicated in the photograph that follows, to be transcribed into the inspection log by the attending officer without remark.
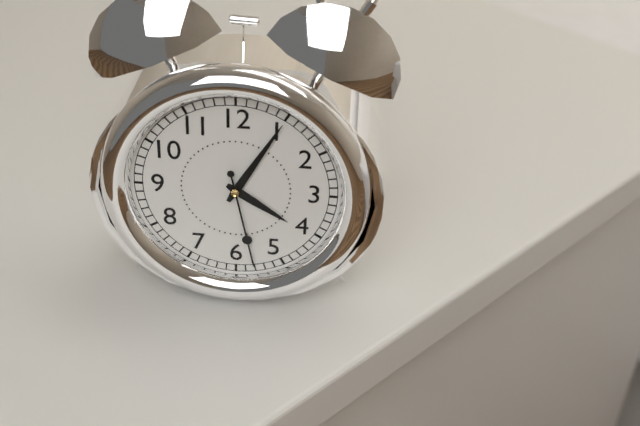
4:05:28
